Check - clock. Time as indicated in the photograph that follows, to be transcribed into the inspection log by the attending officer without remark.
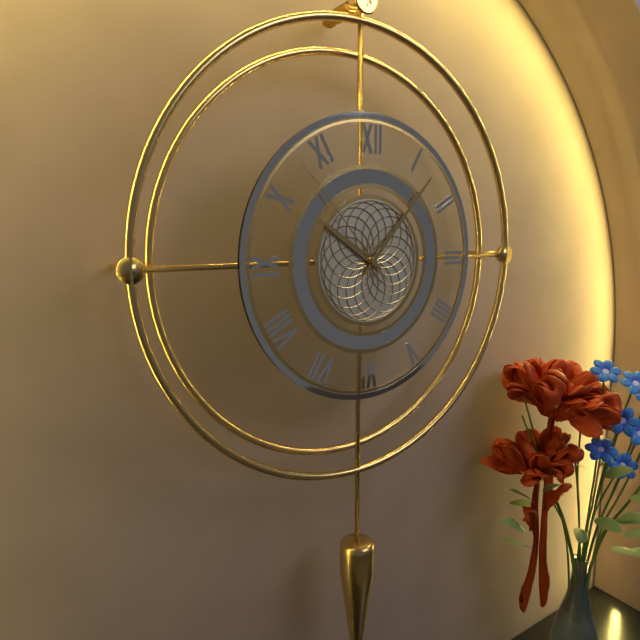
10:07:53
